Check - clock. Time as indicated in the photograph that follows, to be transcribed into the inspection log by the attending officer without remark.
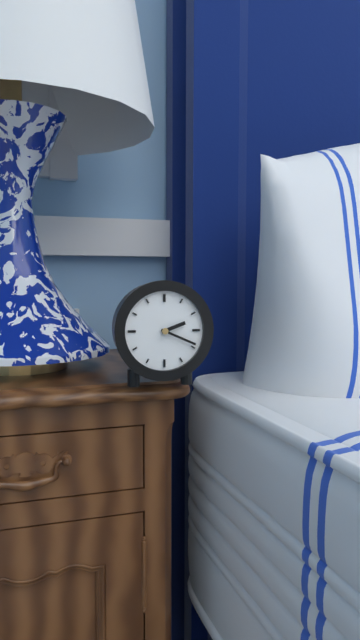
2:19
